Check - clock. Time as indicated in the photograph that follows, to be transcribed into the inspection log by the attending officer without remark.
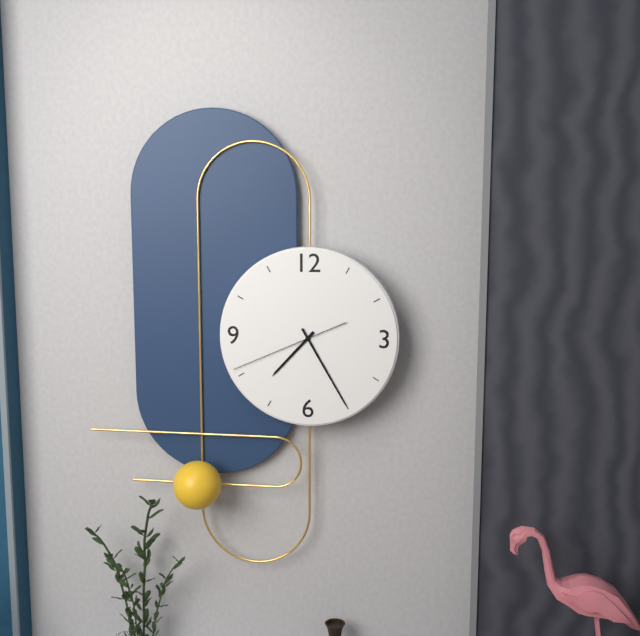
7:25:41
